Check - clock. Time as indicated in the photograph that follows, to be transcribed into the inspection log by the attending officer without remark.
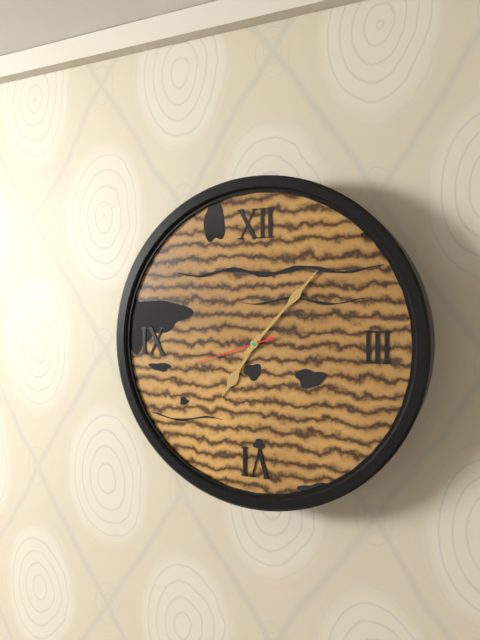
7:07:42
